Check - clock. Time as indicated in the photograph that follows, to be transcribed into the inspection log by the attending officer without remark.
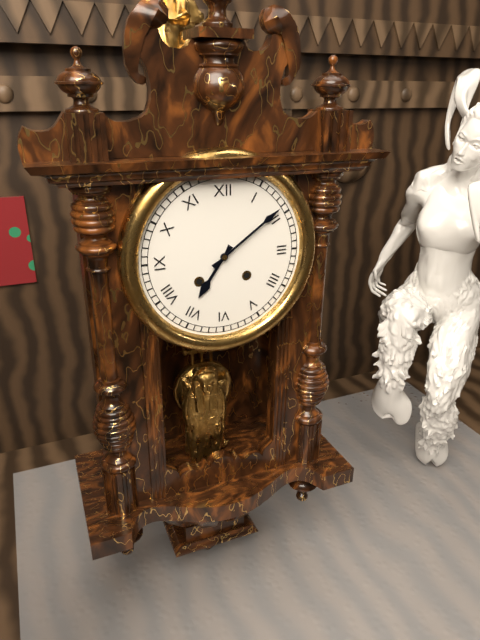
7:09
